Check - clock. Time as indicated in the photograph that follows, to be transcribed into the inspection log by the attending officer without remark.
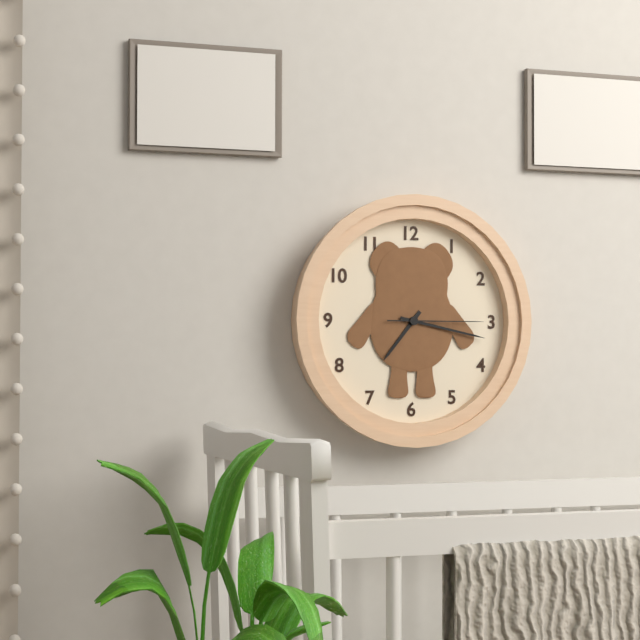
7:17:15
